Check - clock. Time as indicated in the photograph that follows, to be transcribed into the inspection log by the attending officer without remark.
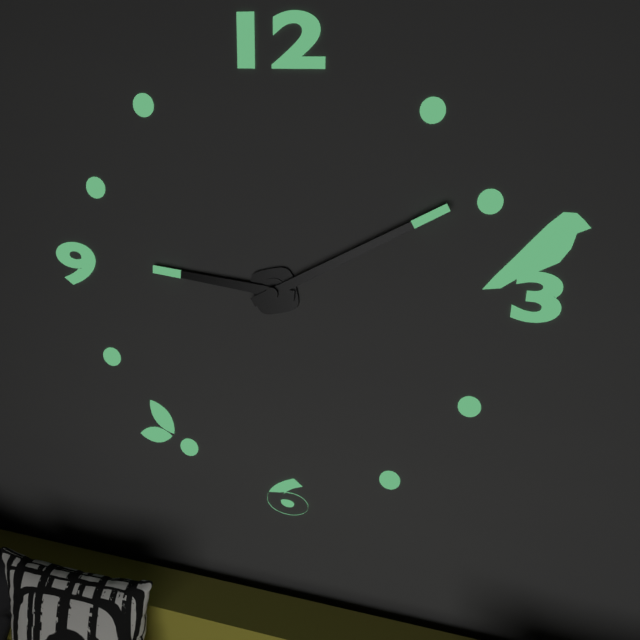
9:10
